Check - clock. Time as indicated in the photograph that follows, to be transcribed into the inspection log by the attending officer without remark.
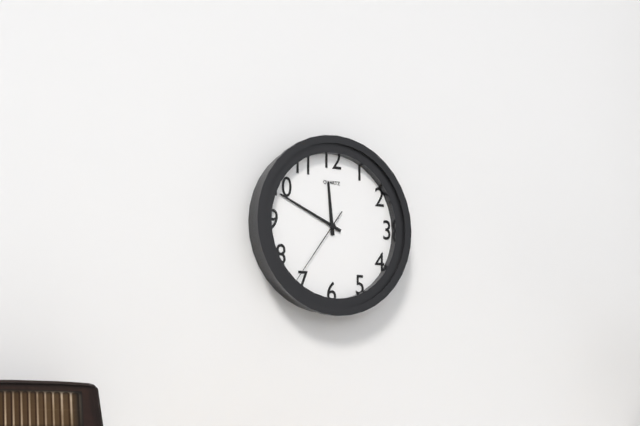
11:49:36
